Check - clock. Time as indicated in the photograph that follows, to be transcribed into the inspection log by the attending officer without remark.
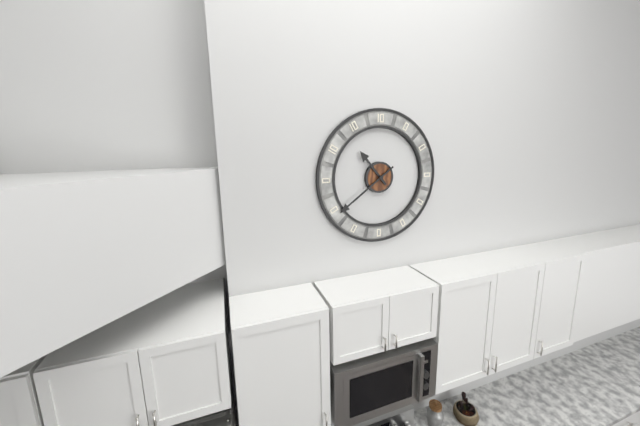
10:39
